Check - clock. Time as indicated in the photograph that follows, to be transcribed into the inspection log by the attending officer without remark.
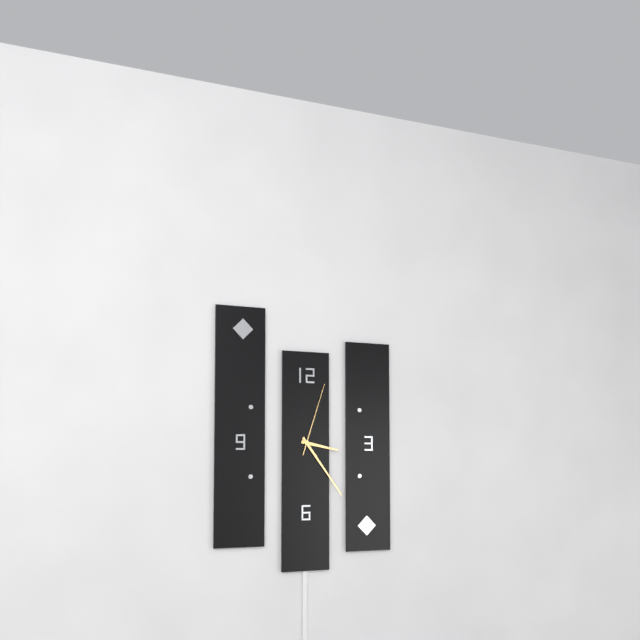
3:24:03
